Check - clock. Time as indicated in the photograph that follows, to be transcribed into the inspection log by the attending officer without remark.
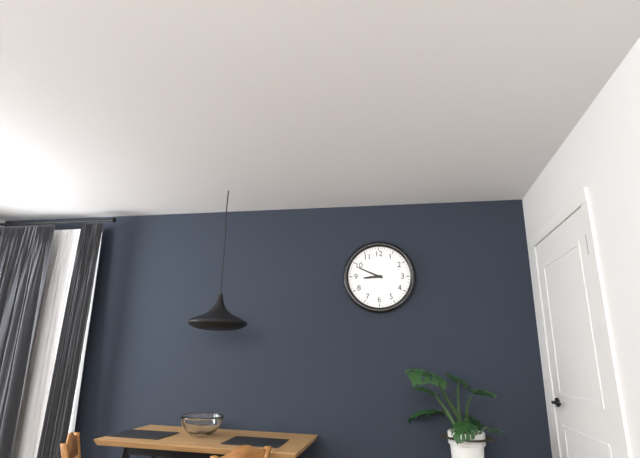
8:49
